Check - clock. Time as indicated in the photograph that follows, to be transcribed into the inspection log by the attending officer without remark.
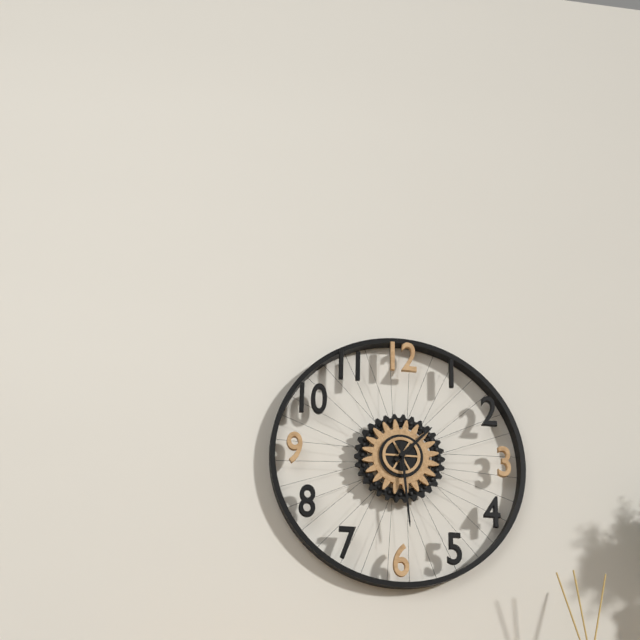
1:29
